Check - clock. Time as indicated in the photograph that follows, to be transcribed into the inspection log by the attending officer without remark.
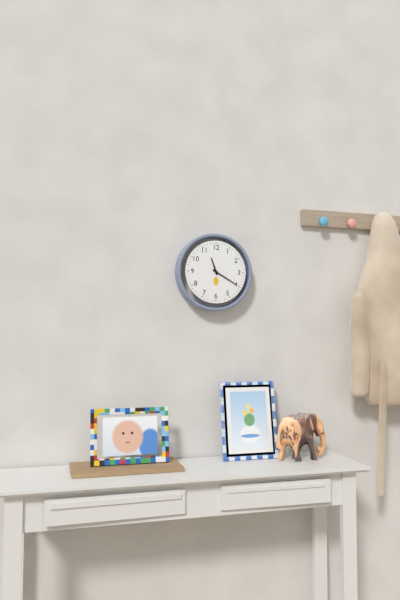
11:20
